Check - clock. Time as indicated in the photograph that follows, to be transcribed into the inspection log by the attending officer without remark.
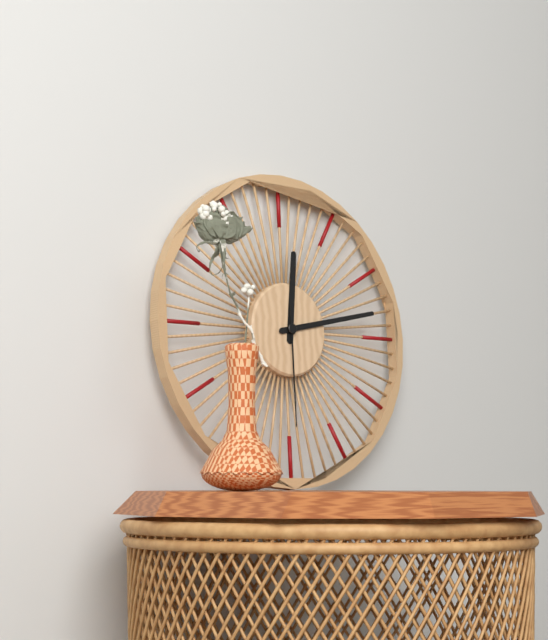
12:13:30
